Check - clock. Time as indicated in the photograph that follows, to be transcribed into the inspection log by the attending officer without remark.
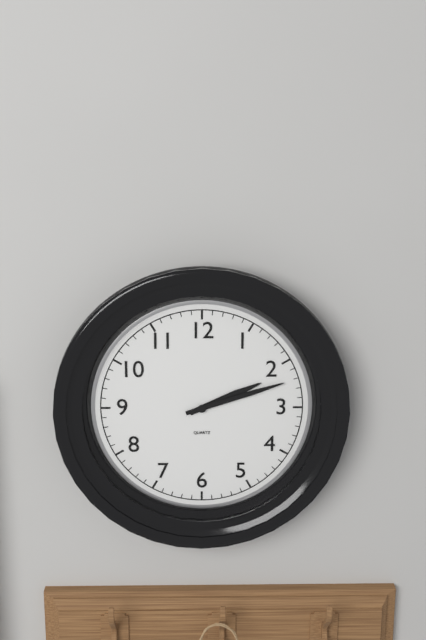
2:12
